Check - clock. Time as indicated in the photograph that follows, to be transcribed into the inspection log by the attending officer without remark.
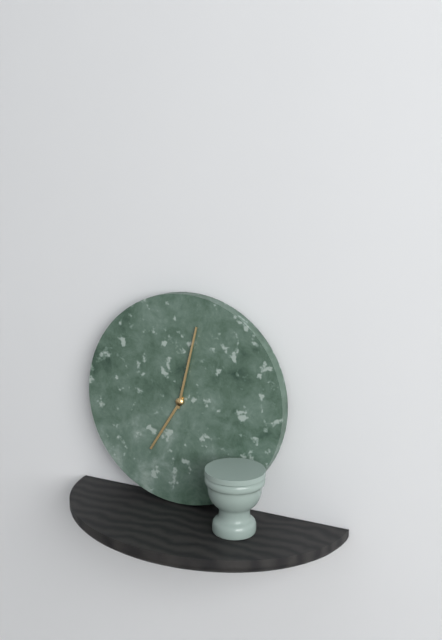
7:02
